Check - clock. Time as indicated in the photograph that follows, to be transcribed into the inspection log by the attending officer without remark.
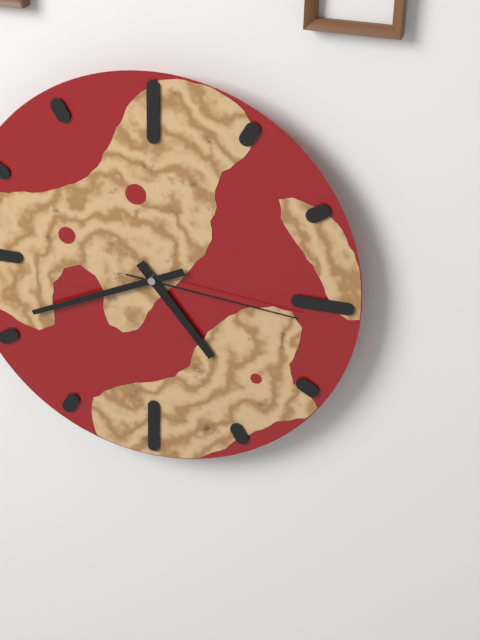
4:41:16
